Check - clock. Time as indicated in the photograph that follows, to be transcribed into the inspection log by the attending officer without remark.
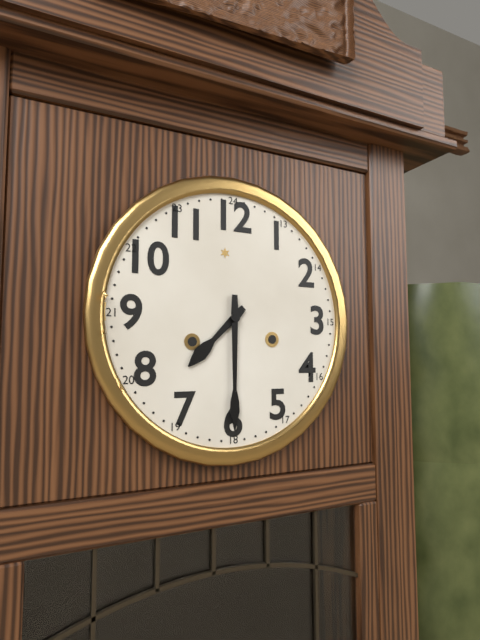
7:30
